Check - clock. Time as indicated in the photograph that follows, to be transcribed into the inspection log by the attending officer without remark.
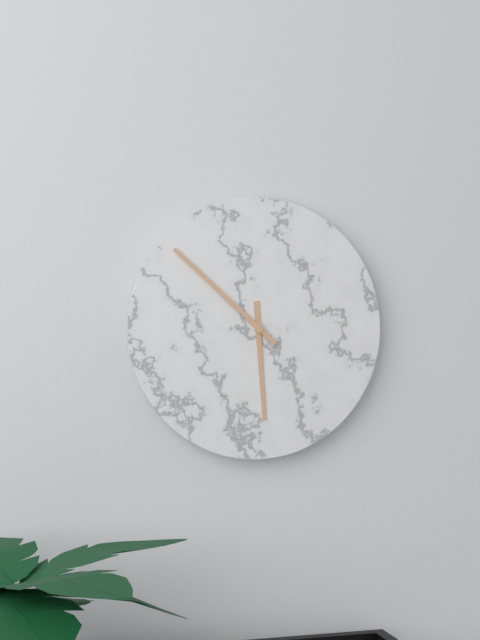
5:52
